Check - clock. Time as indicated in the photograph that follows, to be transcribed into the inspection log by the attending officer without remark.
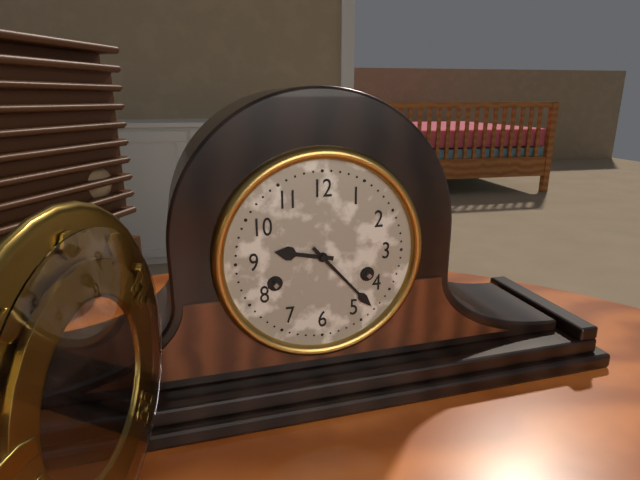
9:23
